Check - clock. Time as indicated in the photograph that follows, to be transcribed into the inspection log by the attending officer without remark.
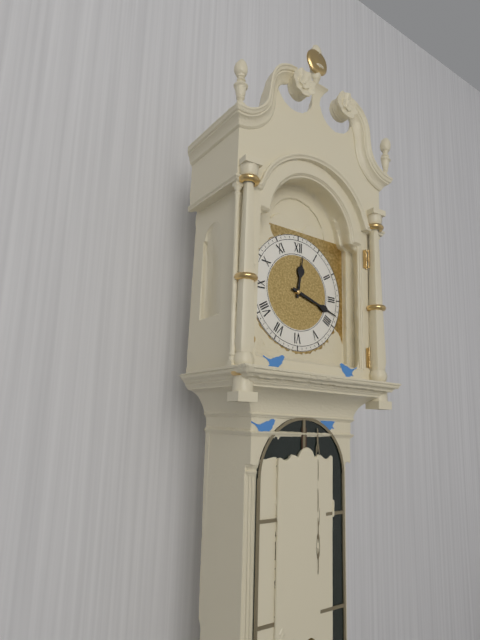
12:18
